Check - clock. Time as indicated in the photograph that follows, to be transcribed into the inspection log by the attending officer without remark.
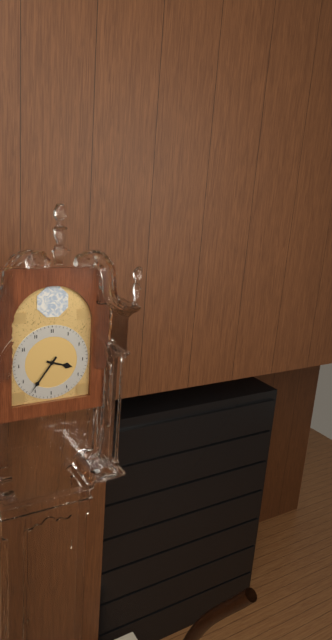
3:36
